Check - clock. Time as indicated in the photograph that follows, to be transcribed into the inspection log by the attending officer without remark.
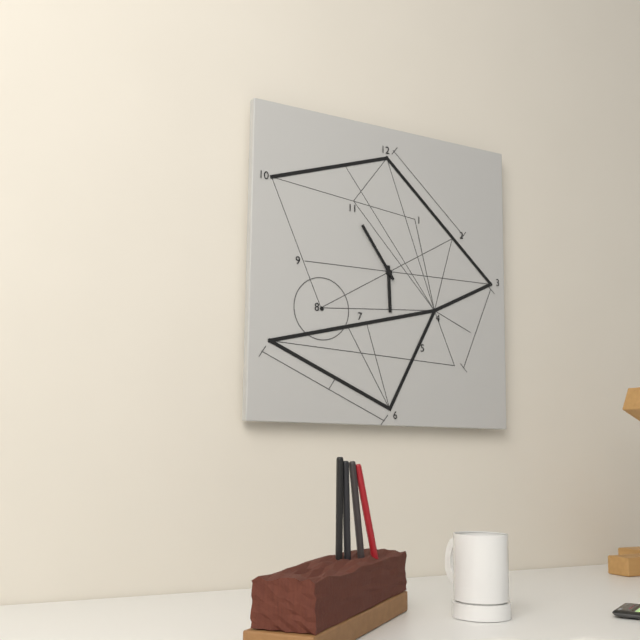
5:54
